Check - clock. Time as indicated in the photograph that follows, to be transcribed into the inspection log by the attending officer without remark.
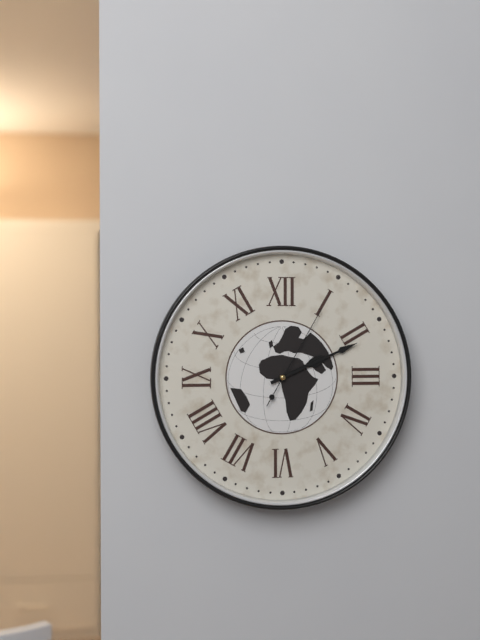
2:11:05
